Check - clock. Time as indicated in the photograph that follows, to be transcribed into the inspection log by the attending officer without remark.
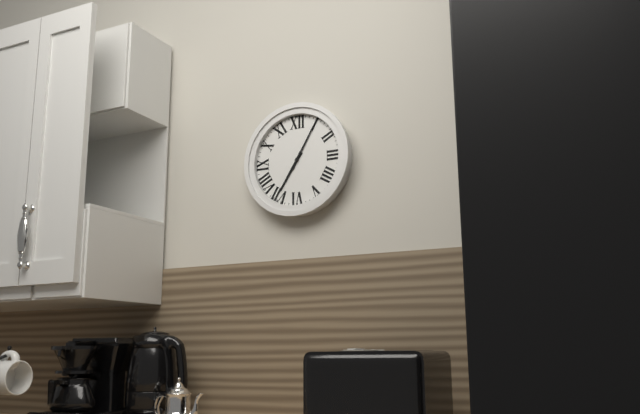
7:05
